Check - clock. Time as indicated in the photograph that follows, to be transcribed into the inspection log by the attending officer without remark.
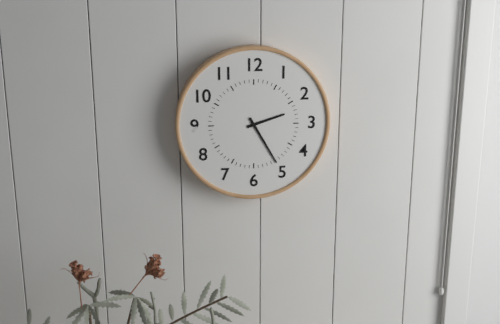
2:25
